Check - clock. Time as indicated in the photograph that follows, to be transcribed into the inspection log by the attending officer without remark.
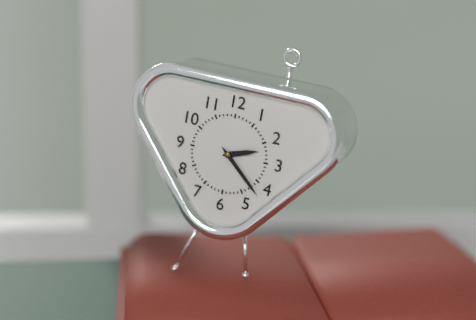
2:22
